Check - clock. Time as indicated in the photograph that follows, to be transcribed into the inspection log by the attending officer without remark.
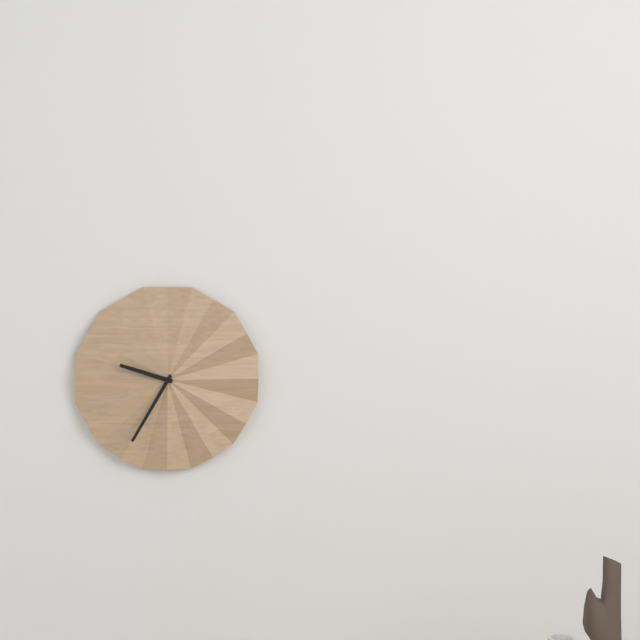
9:35
